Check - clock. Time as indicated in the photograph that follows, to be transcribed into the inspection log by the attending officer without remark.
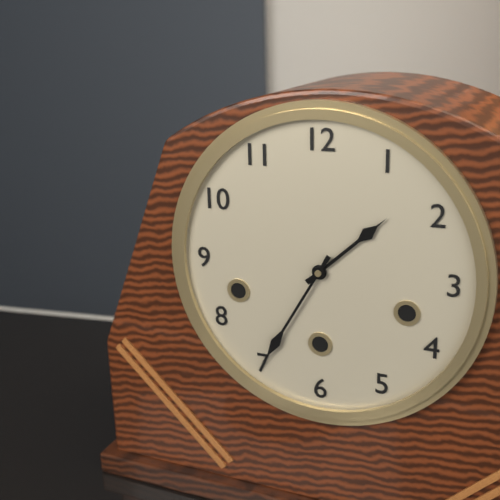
1:35
